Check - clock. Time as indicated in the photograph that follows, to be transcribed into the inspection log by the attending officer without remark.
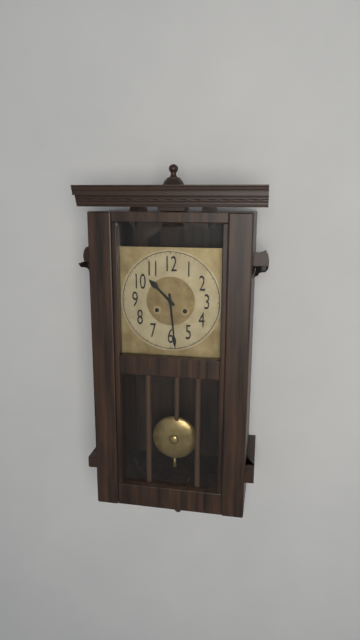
10:29
